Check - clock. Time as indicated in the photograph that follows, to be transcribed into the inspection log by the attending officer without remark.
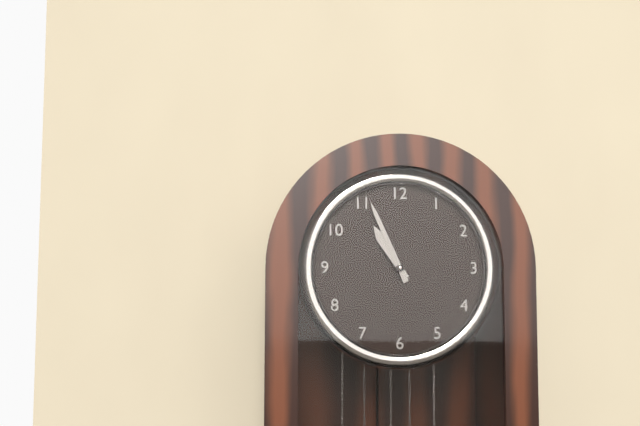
10:56
